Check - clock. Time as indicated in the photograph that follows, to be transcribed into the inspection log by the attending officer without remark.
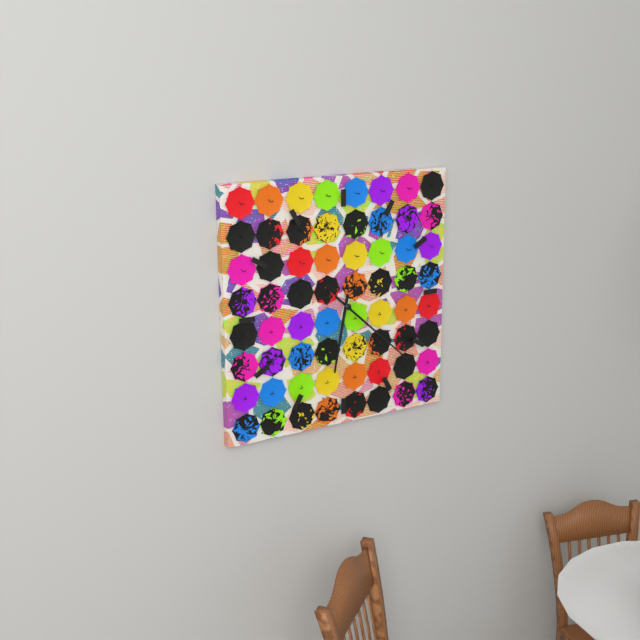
6:22
